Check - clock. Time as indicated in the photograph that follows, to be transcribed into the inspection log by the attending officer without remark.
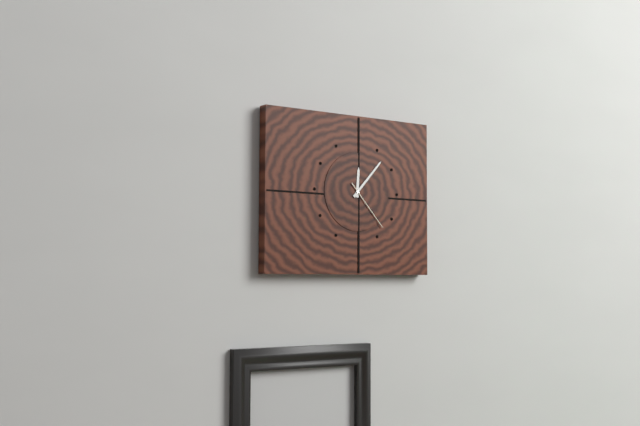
12:07:23
